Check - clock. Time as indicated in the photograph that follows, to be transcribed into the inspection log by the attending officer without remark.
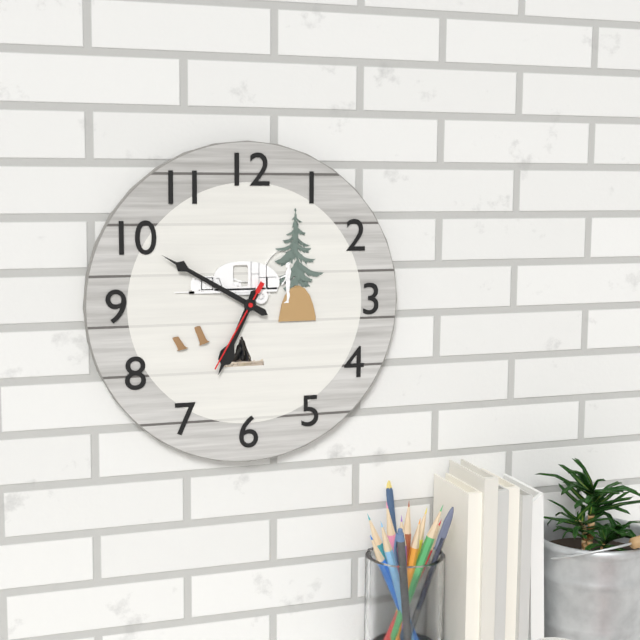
6:50:35
